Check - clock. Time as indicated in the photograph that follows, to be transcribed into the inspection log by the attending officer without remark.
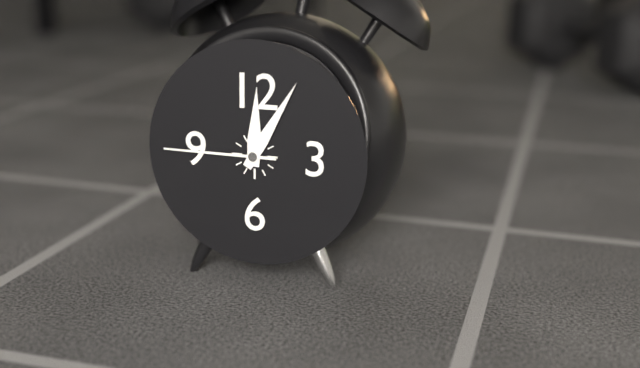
12:05:45
